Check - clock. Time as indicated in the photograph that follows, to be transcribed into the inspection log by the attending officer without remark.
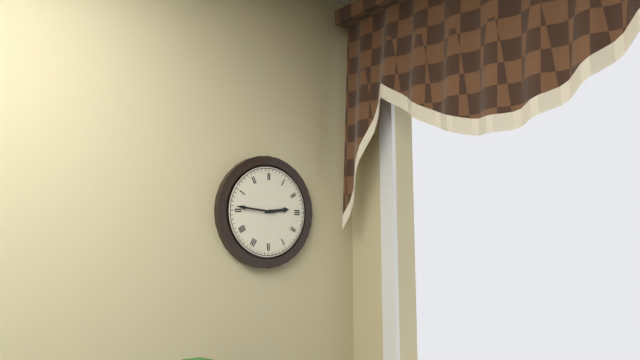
2:46
